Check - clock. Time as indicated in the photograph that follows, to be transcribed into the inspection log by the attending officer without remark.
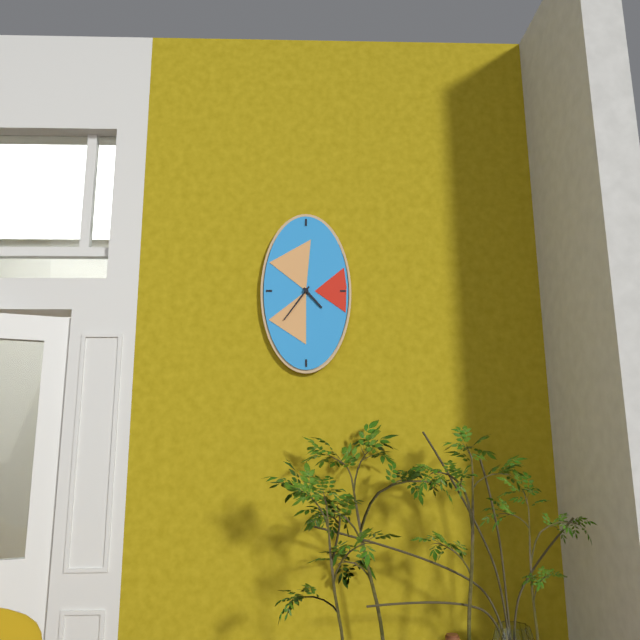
4:36
